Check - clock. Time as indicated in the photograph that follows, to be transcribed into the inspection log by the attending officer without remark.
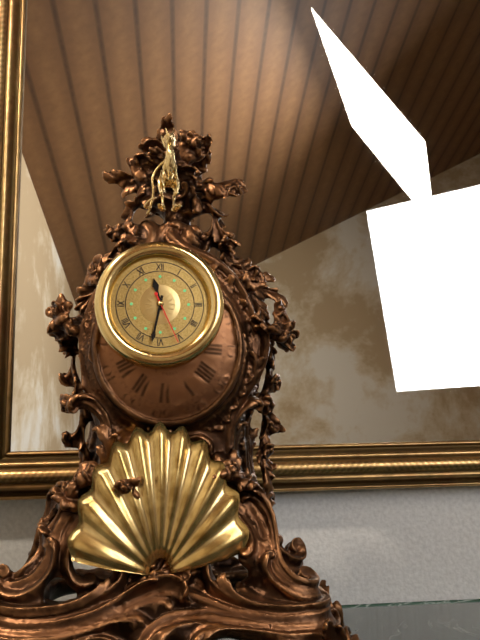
11:32:26
